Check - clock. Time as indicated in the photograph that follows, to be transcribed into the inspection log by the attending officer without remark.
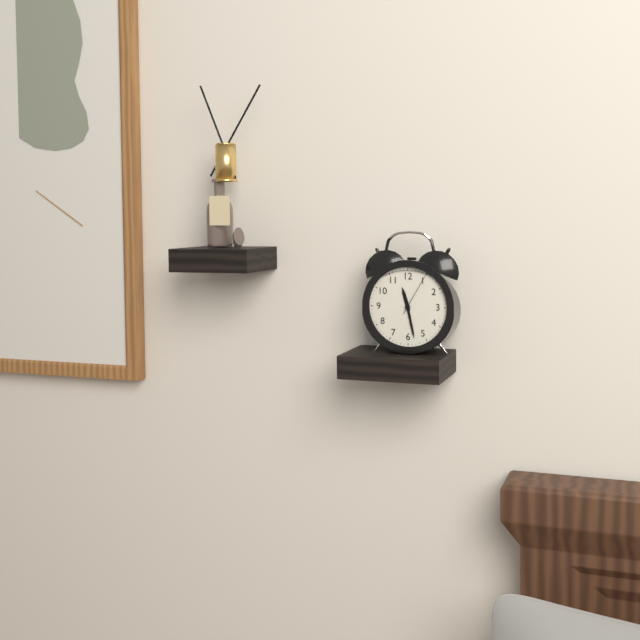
11:28
